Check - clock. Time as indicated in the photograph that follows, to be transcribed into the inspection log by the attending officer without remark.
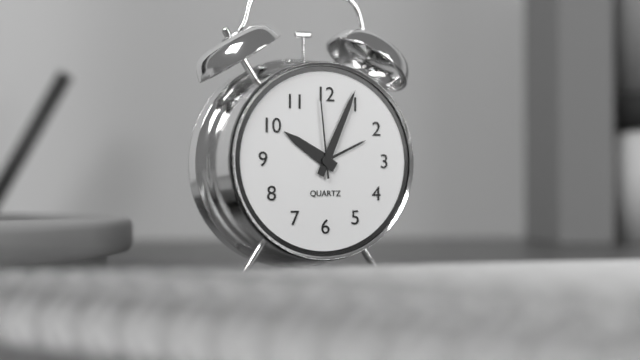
10:04:59
